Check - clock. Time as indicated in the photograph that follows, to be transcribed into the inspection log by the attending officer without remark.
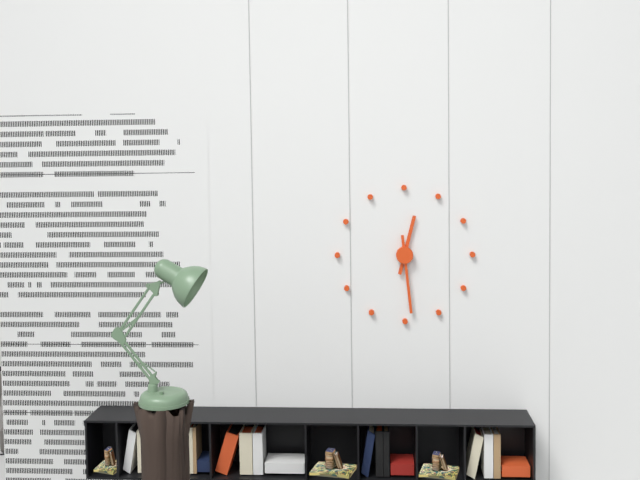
12:29
